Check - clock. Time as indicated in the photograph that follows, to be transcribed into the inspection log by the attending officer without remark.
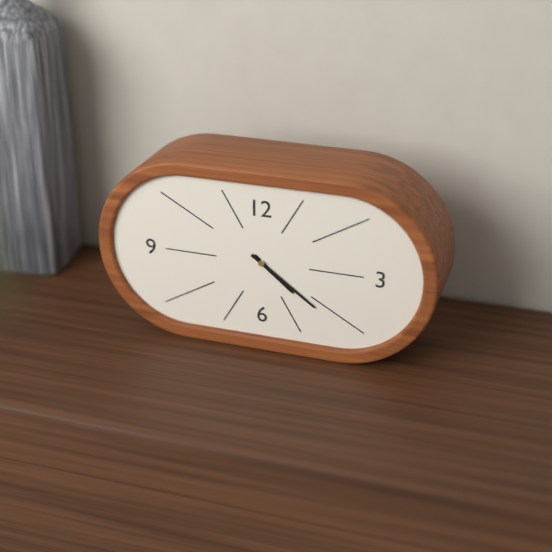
4:21
